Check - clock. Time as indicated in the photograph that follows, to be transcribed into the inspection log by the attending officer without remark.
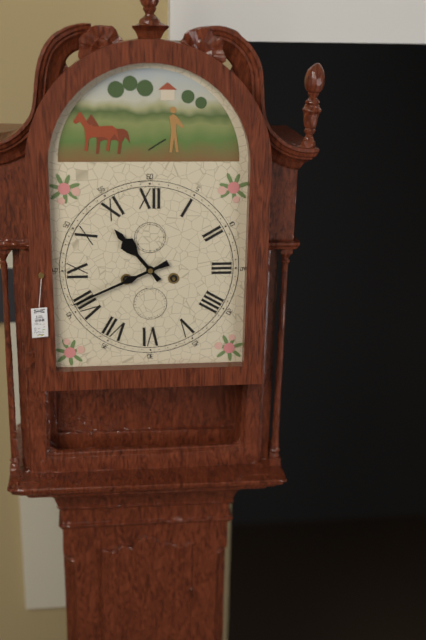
10:41
